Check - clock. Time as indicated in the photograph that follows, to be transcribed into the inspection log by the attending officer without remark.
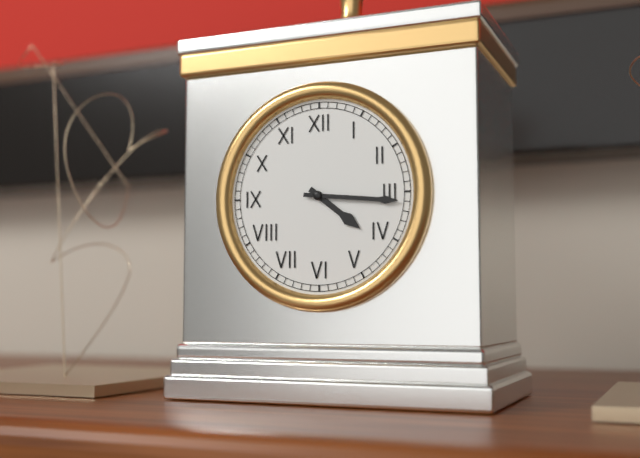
4:16
